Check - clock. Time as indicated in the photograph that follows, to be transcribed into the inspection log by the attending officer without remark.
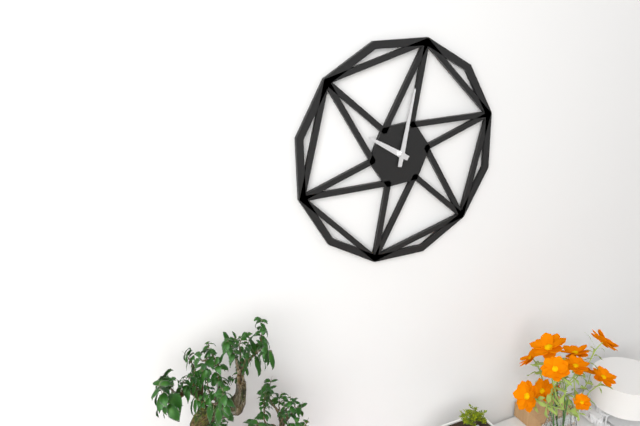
10:02
